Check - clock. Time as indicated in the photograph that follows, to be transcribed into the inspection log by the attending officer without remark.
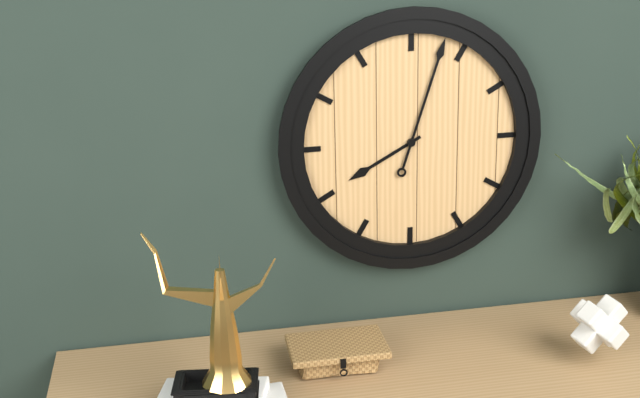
8:03
